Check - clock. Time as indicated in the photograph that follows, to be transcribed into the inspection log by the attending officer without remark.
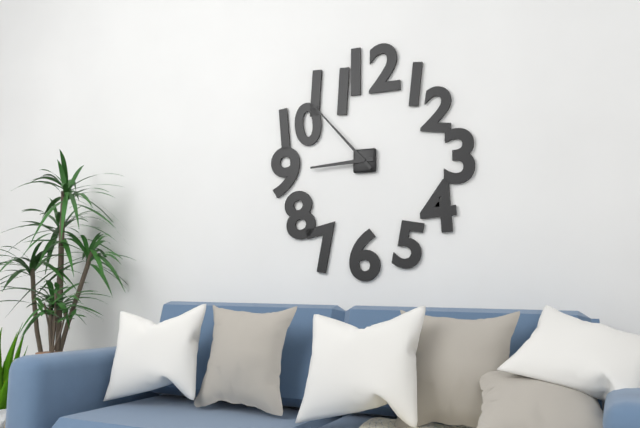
8:53
